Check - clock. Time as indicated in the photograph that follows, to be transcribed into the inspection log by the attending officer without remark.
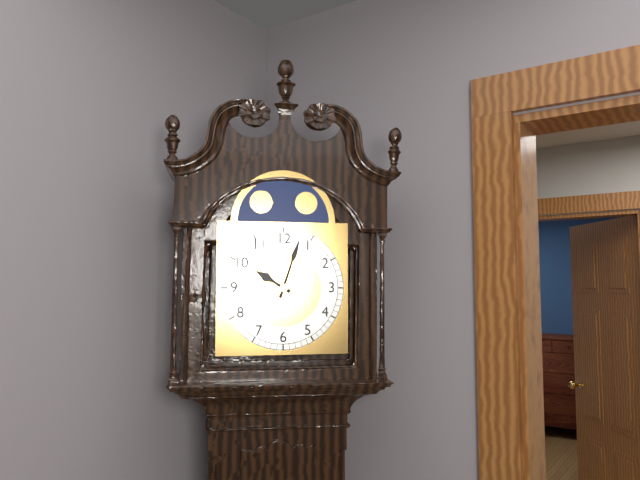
10:03
